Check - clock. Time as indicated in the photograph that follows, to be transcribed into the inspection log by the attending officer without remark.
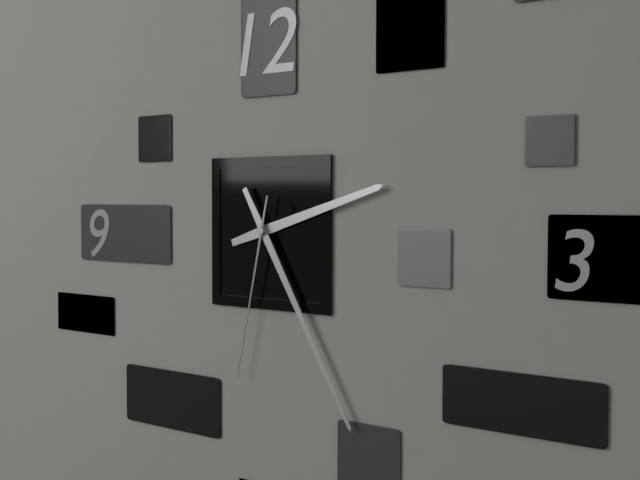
2:25:32
